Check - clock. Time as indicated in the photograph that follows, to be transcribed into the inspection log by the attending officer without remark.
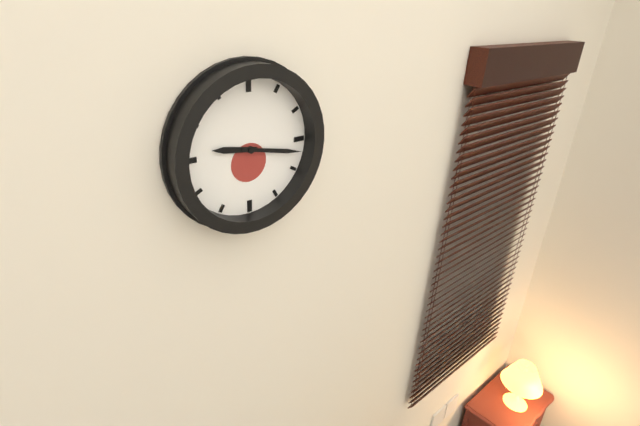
9:17
